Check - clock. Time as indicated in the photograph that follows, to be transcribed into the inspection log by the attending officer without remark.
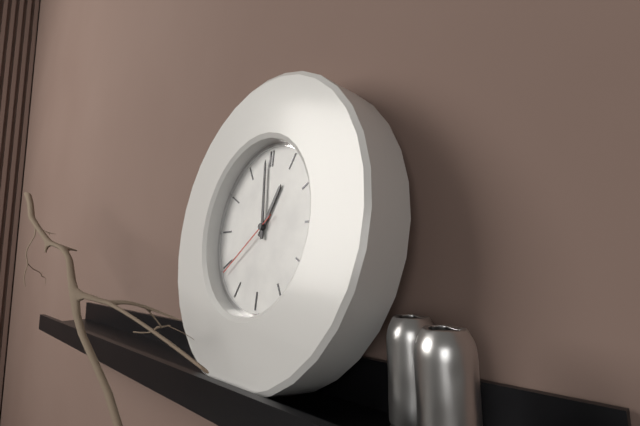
12:59:39
